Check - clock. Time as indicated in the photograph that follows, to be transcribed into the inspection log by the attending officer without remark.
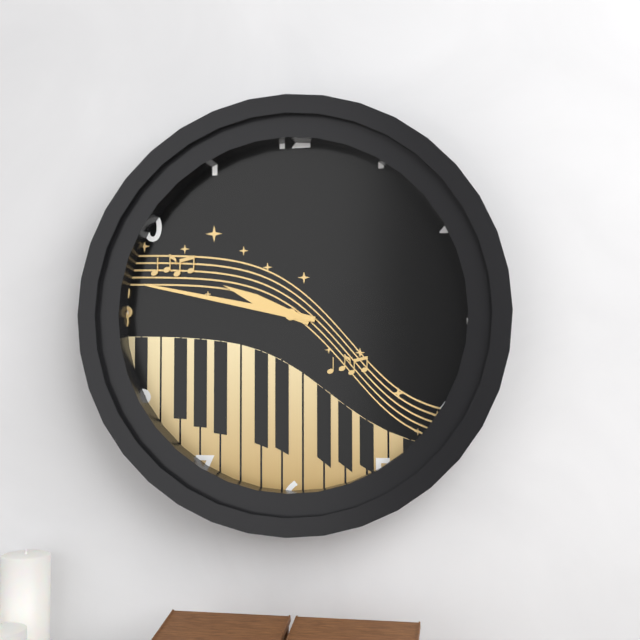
9:47
